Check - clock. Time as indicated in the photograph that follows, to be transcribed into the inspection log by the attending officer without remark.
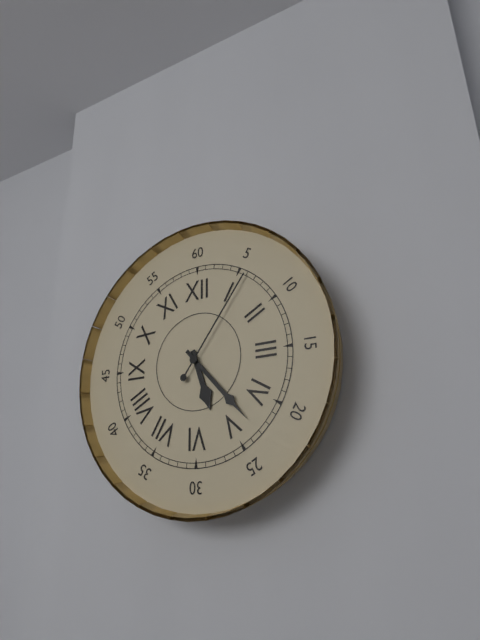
5:23:06
